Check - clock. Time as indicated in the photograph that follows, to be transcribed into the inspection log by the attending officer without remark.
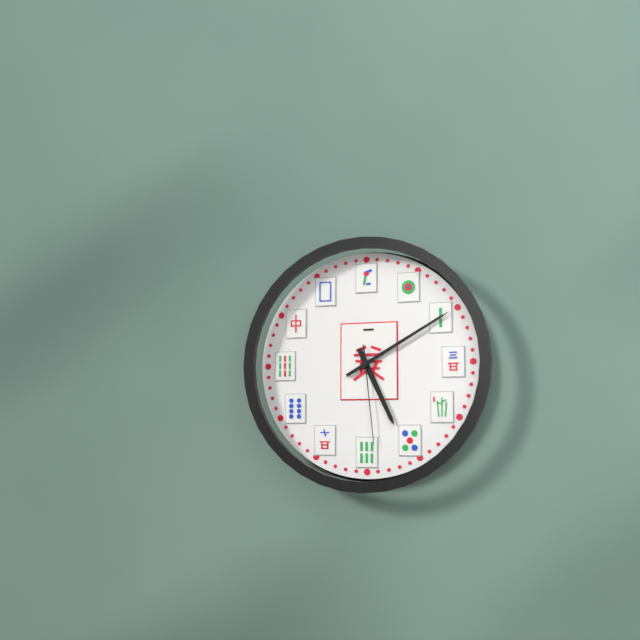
5:10:29
